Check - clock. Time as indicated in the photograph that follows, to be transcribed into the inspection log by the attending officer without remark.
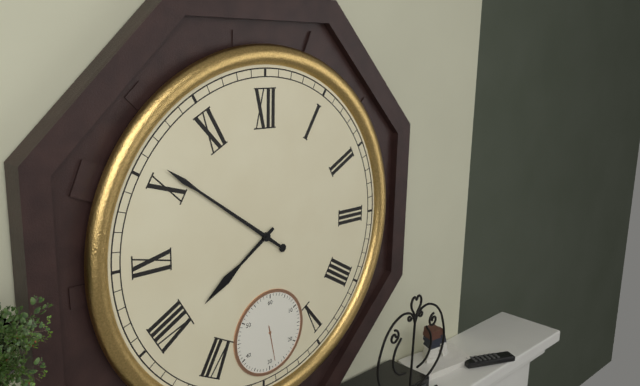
7:51
